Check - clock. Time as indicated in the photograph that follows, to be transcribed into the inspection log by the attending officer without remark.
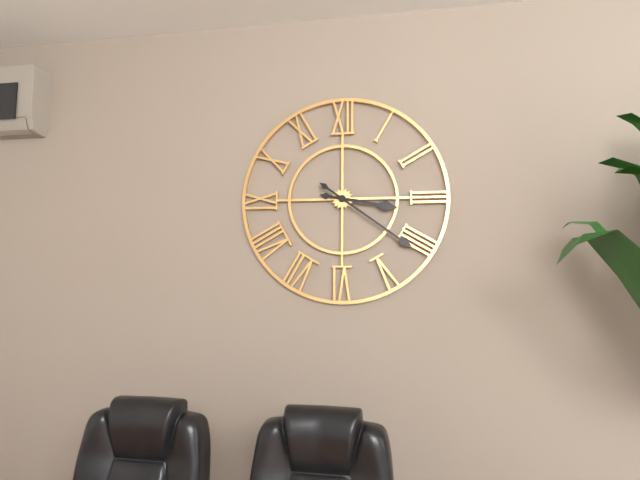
3:21
